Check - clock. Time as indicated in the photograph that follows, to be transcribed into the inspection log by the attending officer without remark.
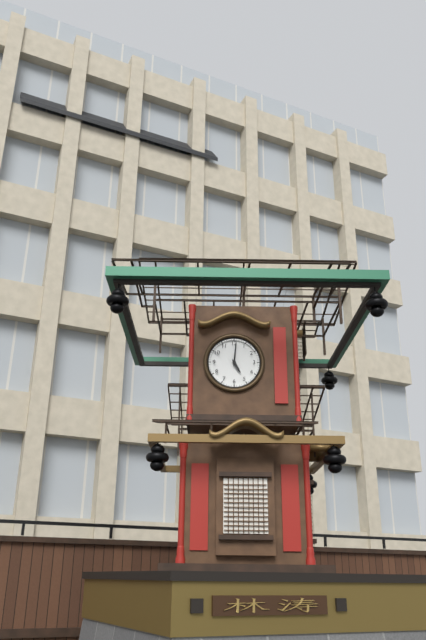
5:01
